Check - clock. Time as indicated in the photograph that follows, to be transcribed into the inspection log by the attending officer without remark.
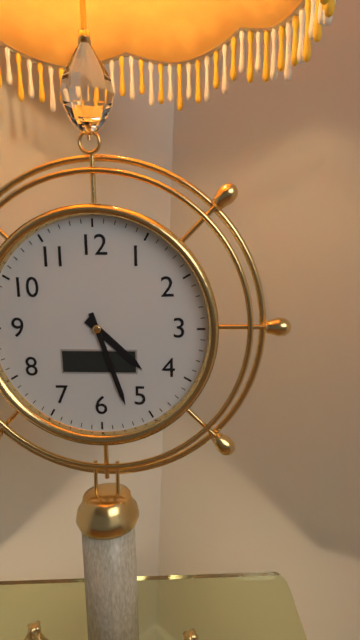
4:27
